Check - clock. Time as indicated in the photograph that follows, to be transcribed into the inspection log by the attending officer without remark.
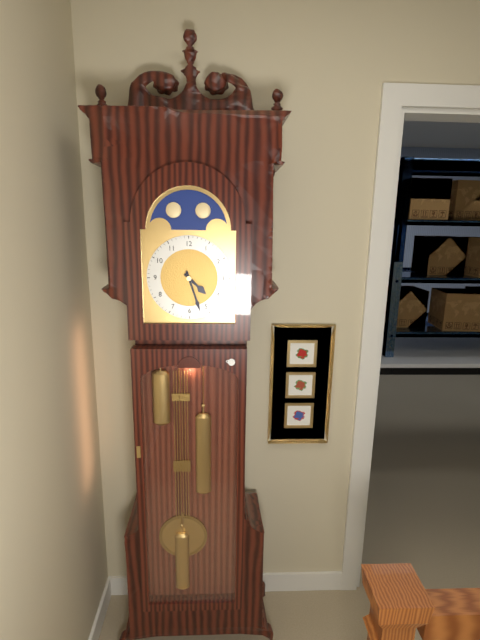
4:27
